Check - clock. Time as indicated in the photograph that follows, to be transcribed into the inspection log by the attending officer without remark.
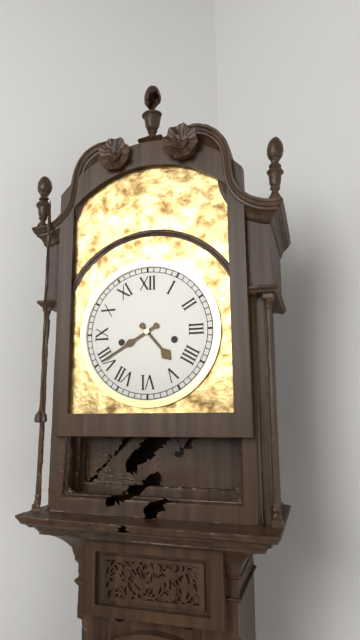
4:40
